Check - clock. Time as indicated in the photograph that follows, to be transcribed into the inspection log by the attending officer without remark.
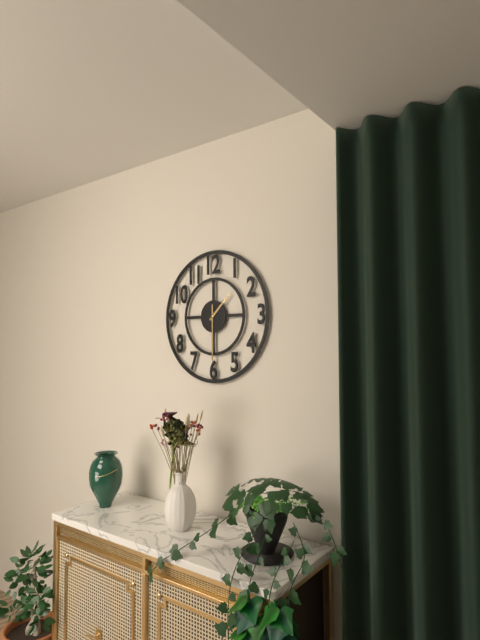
1:30
